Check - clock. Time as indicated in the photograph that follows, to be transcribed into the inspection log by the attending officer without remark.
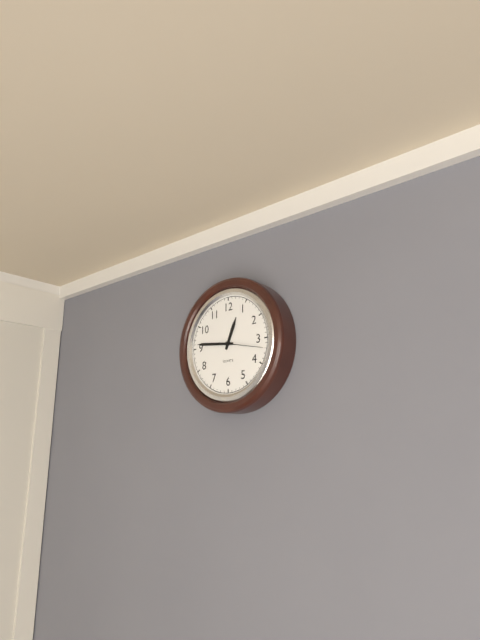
12:46
